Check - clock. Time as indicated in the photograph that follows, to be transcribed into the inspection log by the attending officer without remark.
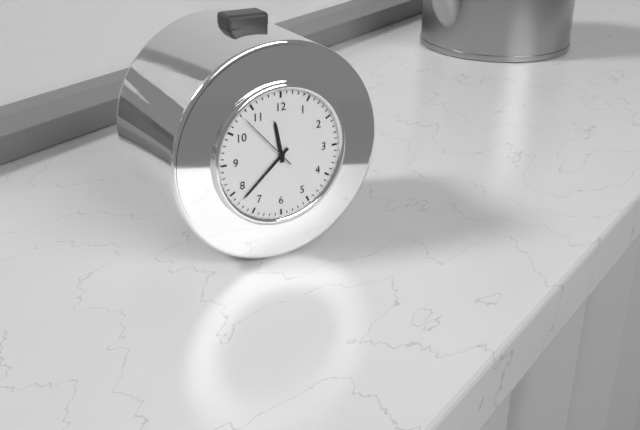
11:38:53
